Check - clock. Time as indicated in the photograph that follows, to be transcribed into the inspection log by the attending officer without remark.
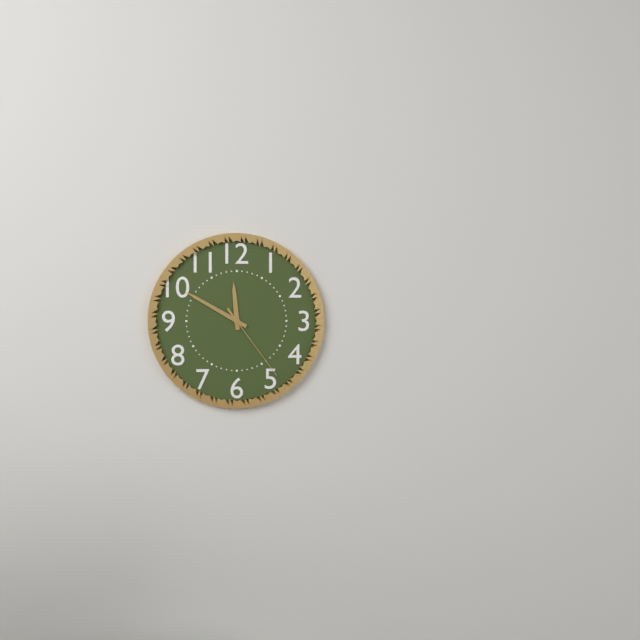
11:50:24
